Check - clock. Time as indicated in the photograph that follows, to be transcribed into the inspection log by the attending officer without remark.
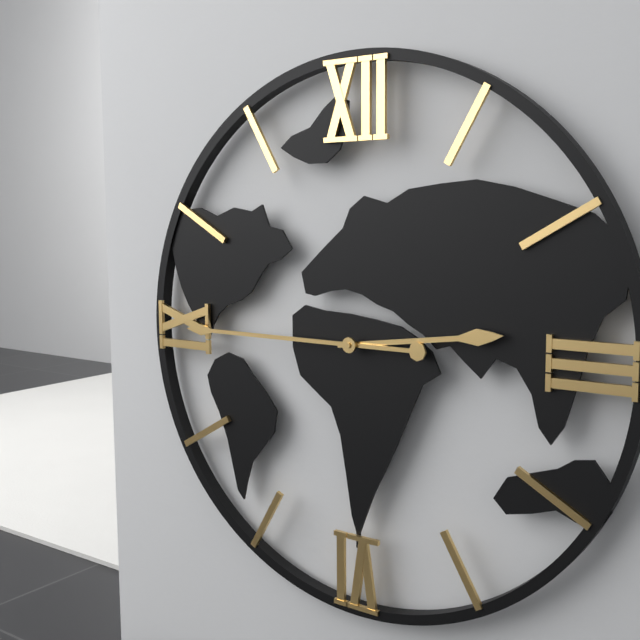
2:45
